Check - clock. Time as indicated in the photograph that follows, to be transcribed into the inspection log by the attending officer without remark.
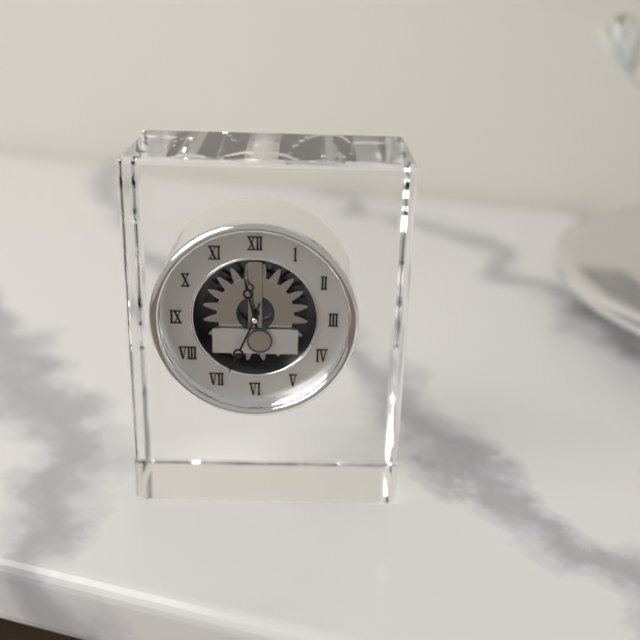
11:34
